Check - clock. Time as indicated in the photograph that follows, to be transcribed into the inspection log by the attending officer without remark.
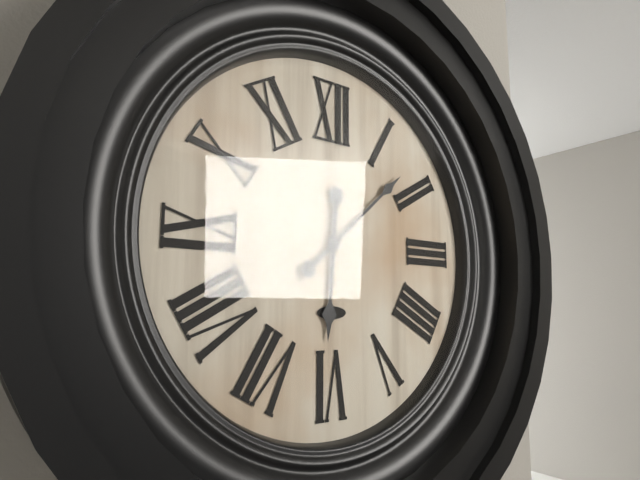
6:08
